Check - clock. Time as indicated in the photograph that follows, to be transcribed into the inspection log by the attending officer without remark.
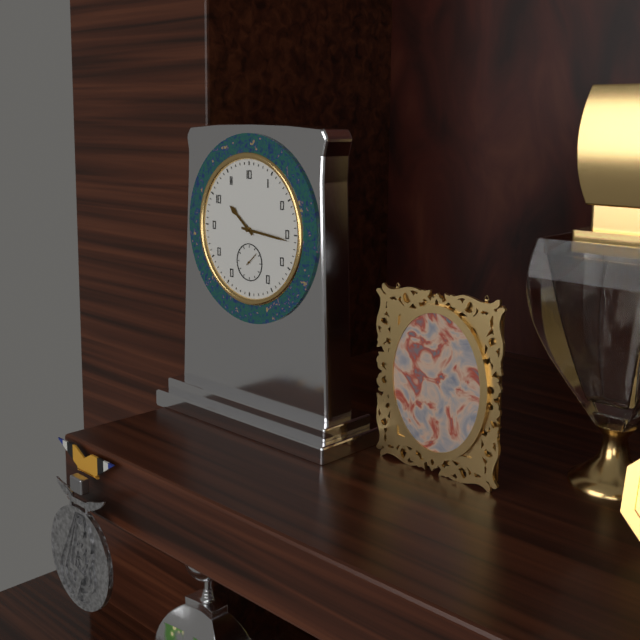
10:16
